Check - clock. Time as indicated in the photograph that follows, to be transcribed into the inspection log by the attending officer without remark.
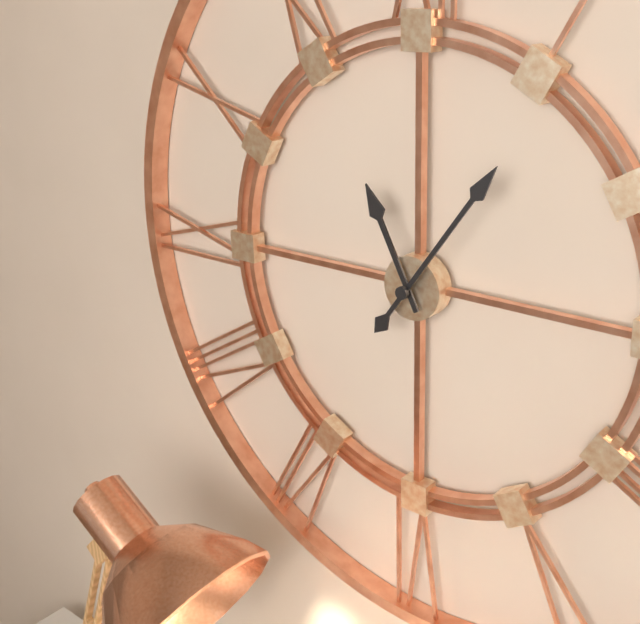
11:06
